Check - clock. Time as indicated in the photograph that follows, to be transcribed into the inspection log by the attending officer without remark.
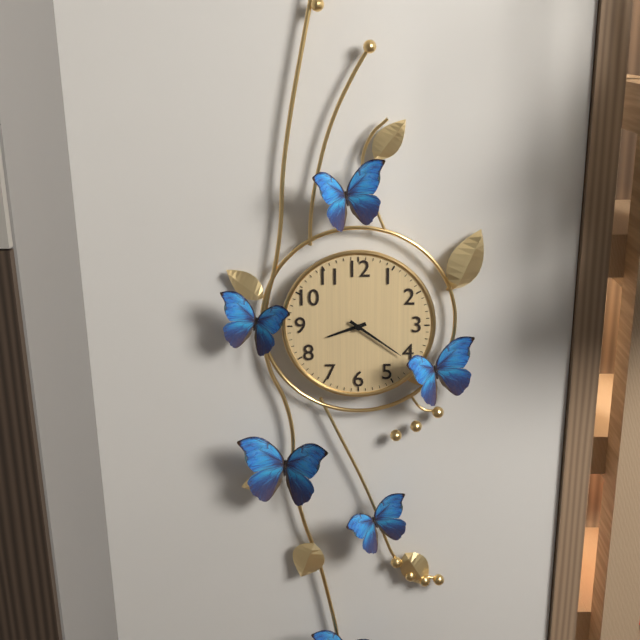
8:21
